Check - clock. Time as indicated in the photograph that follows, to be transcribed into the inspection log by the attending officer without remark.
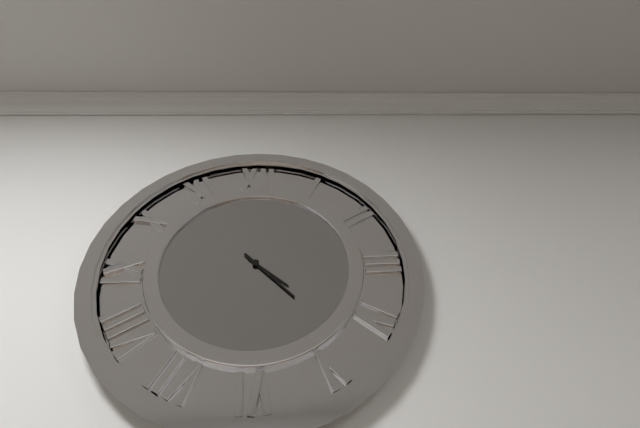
4:23
